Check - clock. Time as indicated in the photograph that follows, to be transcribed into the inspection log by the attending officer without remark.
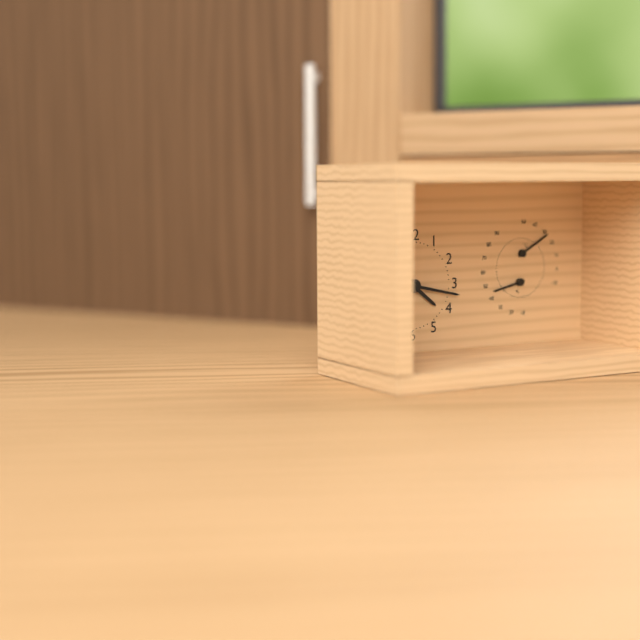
4:17
